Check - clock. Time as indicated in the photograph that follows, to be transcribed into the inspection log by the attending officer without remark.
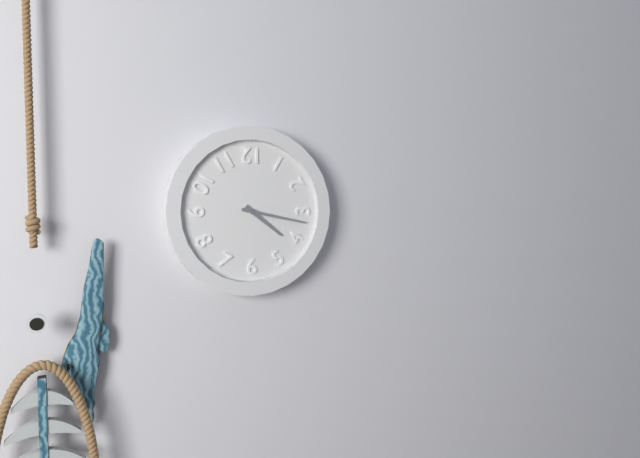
4:17
